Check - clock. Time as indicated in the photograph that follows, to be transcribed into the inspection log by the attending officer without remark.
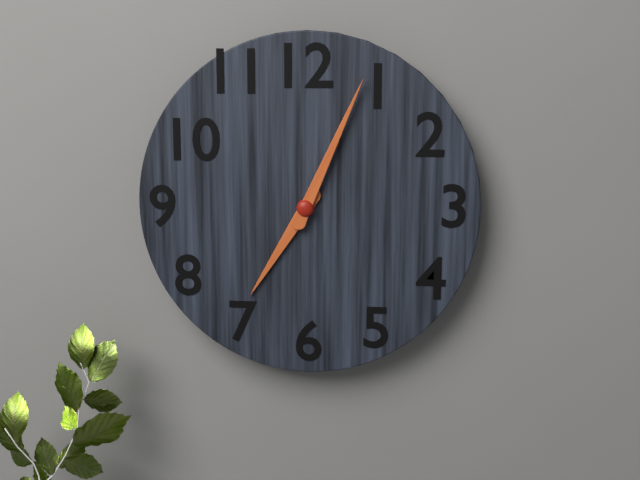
7:04
